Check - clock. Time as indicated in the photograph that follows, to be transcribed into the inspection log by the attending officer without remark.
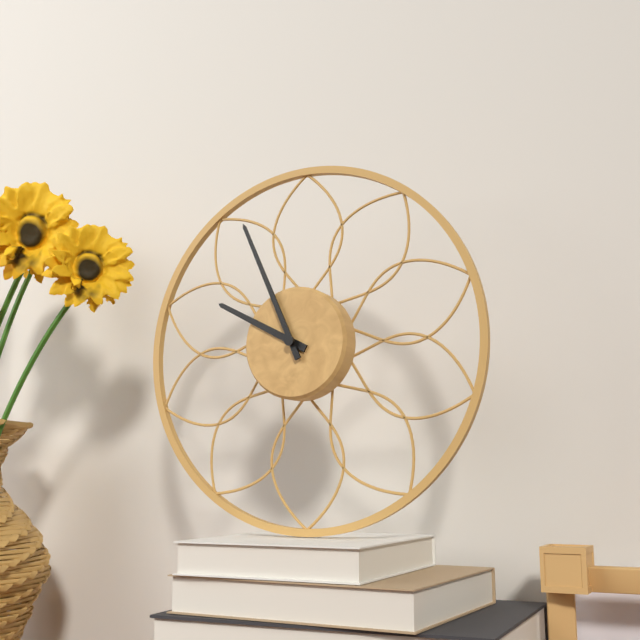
9:56
